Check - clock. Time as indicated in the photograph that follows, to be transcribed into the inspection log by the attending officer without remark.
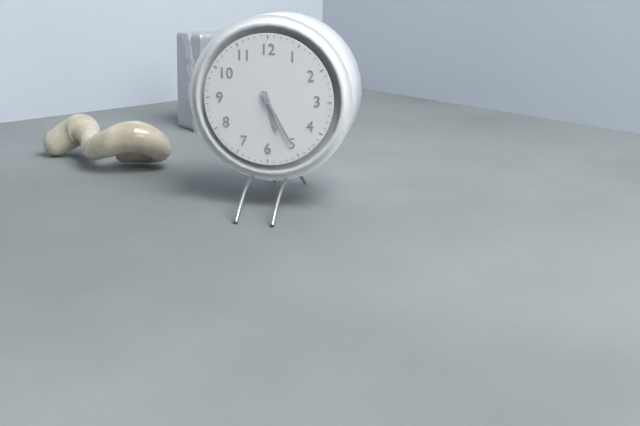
5:25
